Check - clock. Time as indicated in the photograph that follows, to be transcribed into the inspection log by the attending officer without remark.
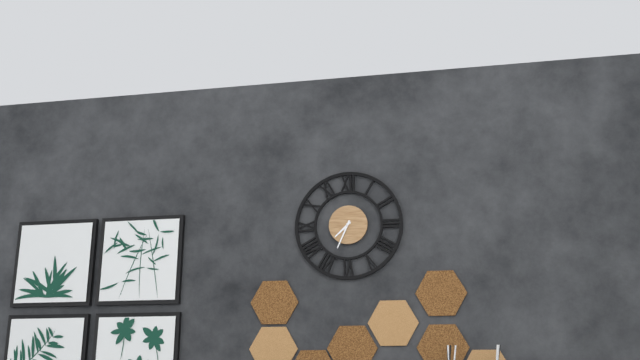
7:34
